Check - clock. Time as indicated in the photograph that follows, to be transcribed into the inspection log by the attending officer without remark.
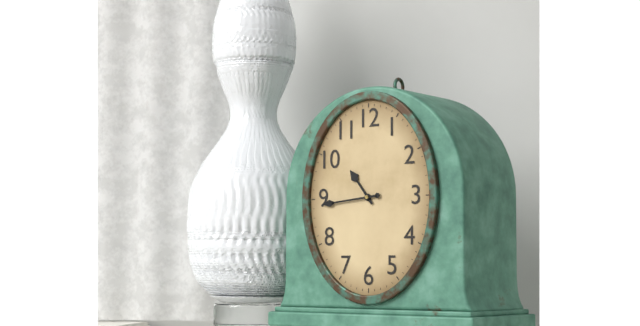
10:44
